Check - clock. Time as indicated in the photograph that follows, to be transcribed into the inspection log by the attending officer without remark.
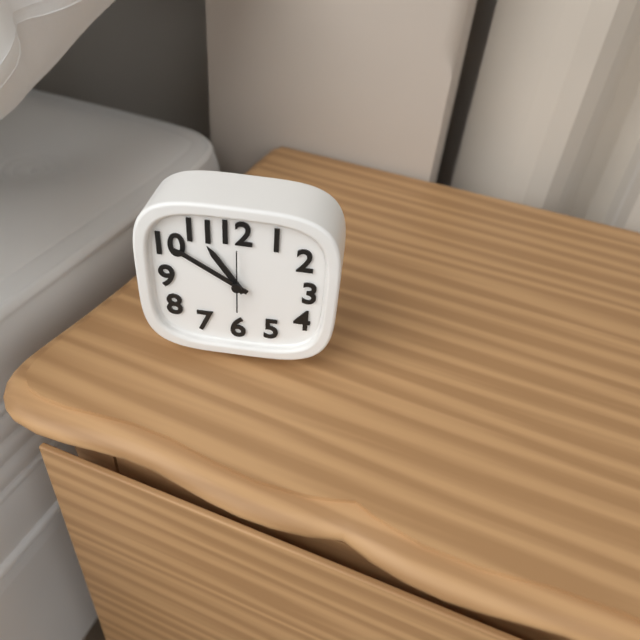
10:50
